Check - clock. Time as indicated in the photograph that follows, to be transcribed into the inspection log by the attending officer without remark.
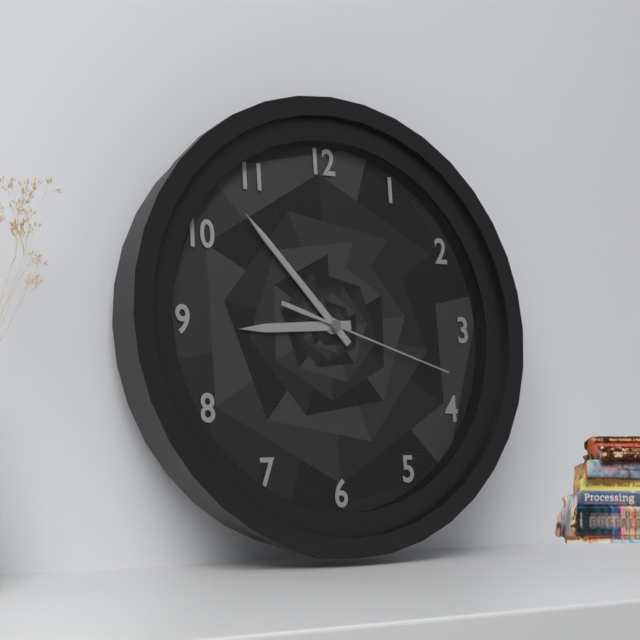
8:53:18
